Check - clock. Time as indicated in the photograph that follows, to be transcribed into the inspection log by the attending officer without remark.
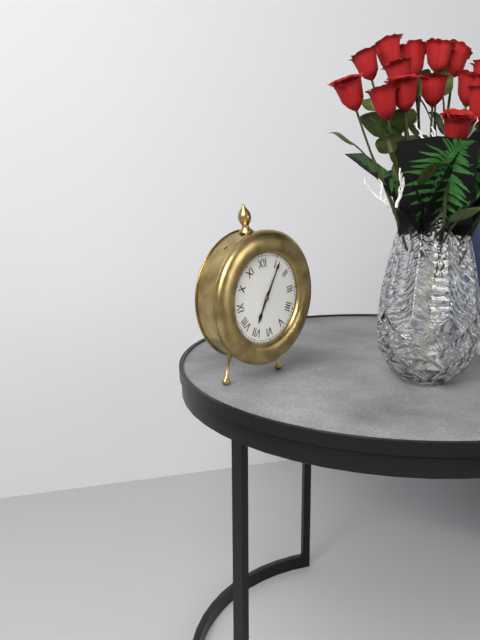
7:06
